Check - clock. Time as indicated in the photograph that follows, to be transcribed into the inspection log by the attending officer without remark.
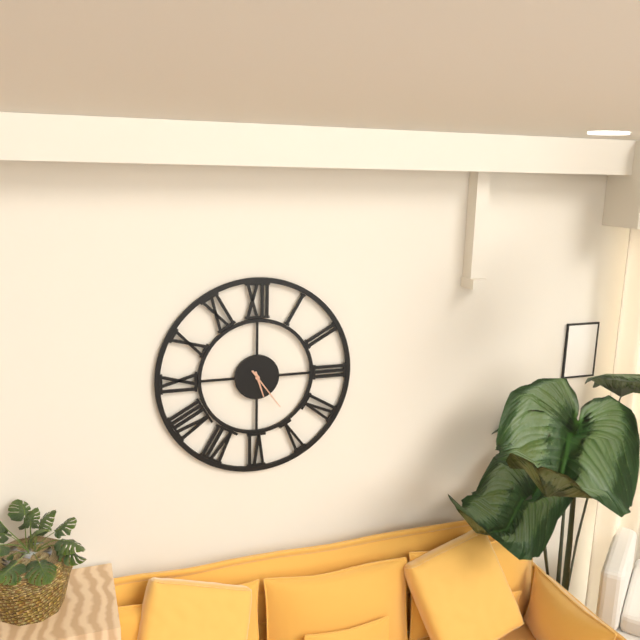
5:24
